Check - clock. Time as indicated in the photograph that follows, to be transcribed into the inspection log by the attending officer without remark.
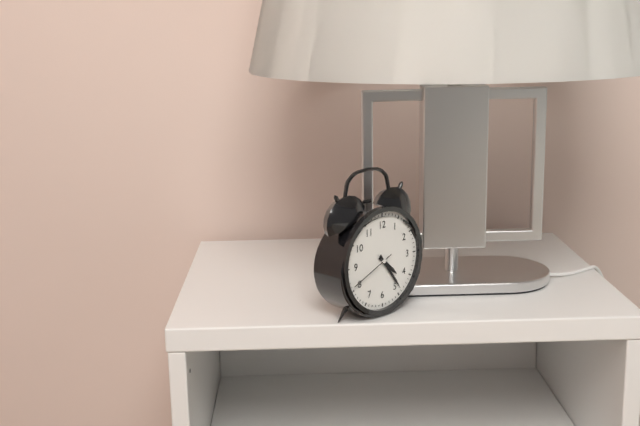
4:24
